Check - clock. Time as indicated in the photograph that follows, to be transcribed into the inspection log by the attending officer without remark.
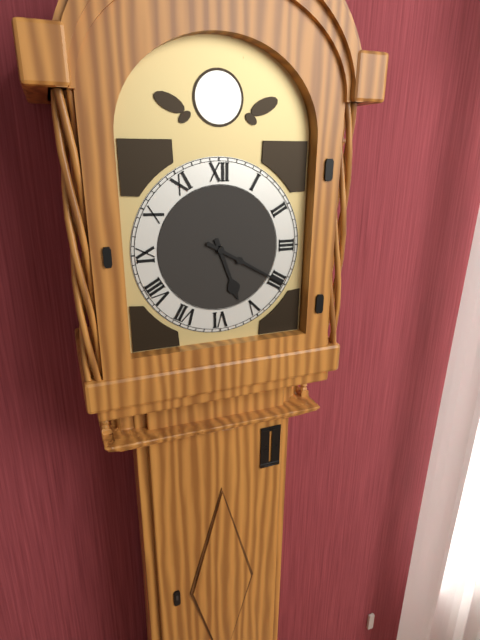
5:20
